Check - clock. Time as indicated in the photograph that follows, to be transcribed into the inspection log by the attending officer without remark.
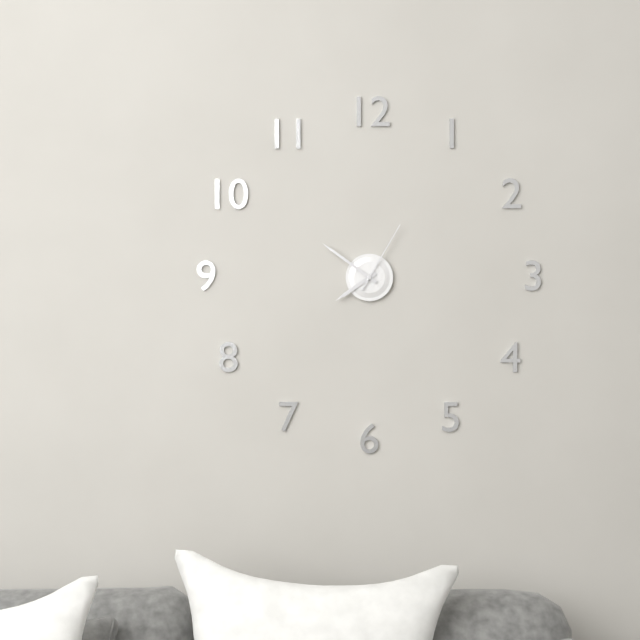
7:51:05
